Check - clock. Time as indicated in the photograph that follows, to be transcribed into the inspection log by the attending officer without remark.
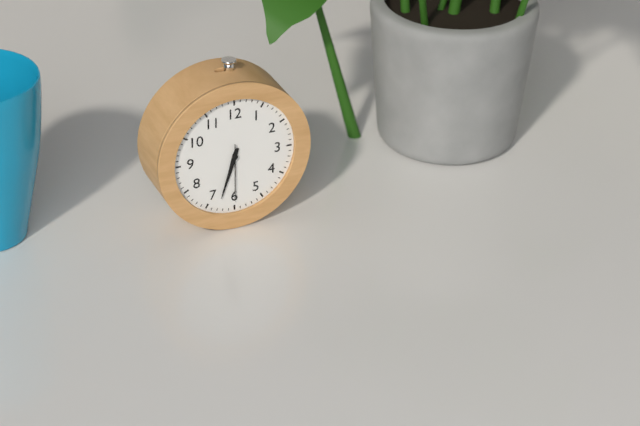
6:33:30
